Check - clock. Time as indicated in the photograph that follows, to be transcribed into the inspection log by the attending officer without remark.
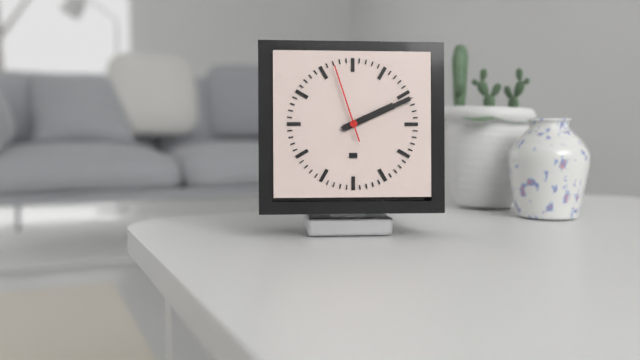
2:11:57
